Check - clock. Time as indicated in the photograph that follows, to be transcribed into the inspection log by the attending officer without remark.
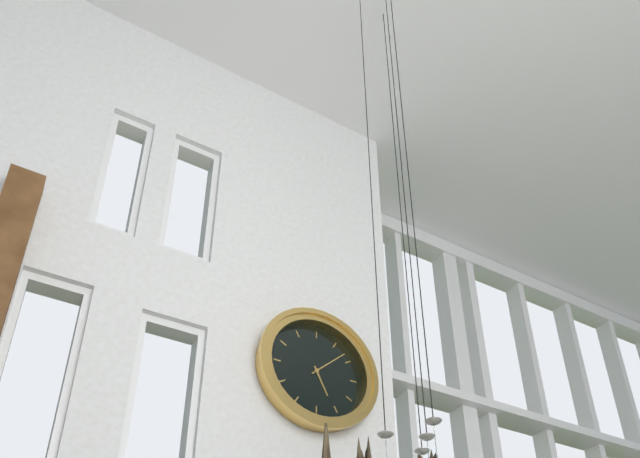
5:08
